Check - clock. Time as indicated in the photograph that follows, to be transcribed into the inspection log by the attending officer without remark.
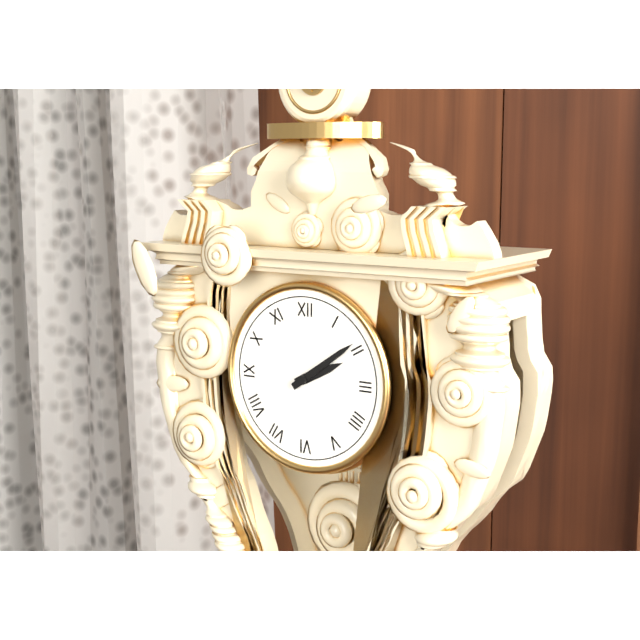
2:09
